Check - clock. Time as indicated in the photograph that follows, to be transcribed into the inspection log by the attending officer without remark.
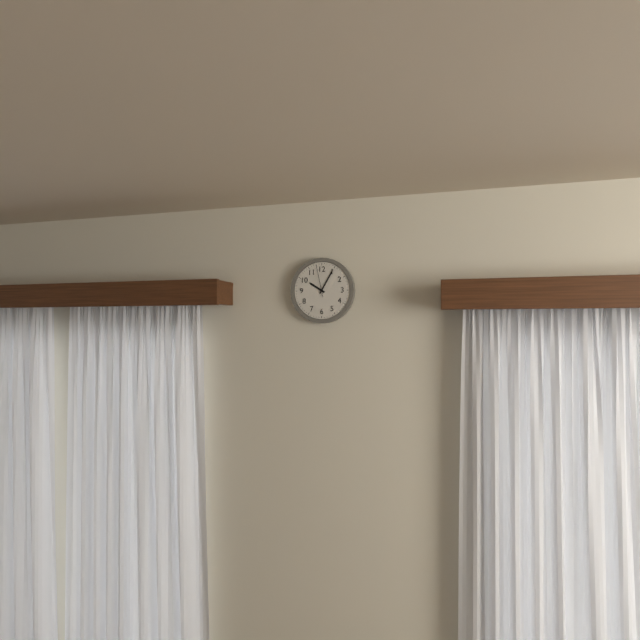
10:05
